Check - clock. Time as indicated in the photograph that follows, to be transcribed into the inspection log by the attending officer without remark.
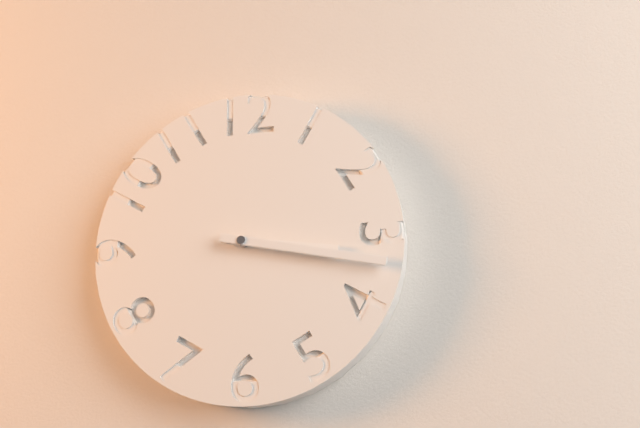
3:17
